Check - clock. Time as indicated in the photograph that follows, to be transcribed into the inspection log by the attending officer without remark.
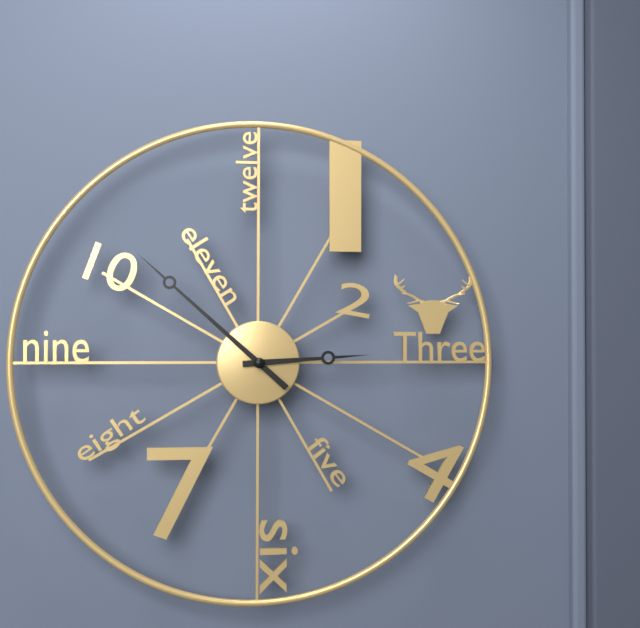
2:52
